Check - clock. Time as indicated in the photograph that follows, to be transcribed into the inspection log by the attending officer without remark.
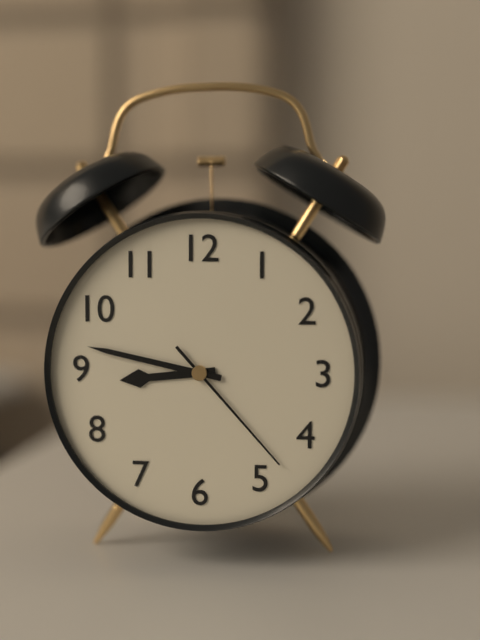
8:47:23
